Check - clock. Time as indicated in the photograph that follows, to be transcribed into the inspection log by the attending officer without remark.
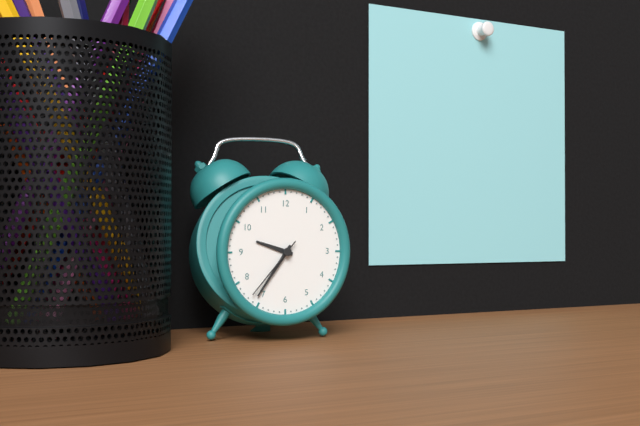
9:36:37
